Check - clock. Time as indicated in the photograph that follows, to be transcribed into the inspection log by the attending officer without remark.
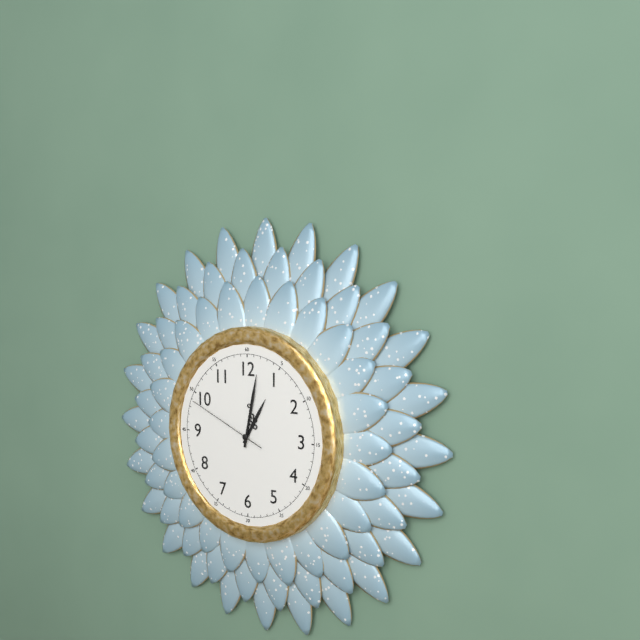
1:02:49
